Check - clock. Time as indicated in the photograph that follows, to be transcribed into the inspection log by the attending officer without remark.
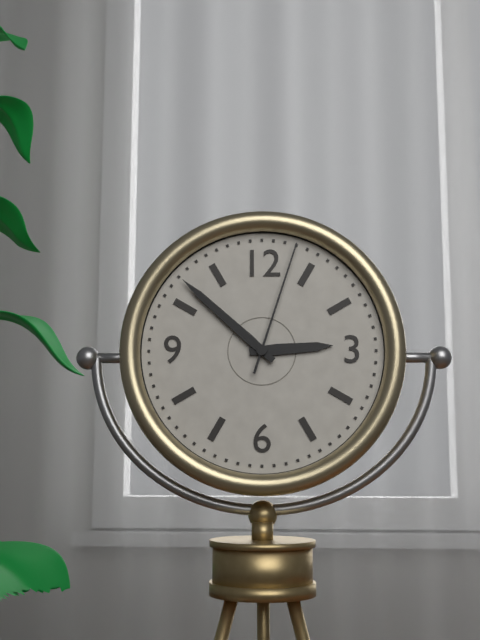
2:52:03
